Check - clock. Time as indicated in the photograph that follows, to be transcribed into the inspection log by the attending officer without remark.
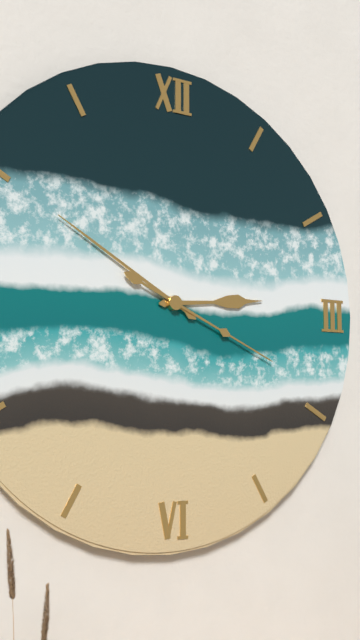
2:50:19
